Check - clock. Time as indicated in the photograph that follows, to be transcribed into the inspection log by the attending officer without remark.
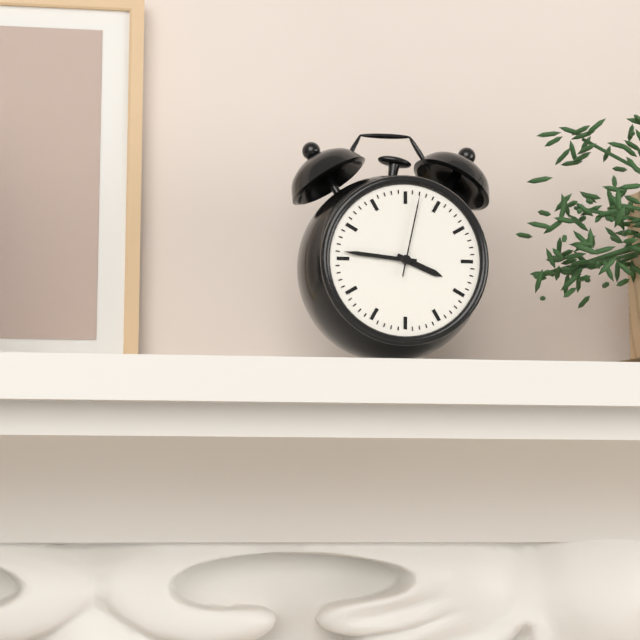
3:46:02
